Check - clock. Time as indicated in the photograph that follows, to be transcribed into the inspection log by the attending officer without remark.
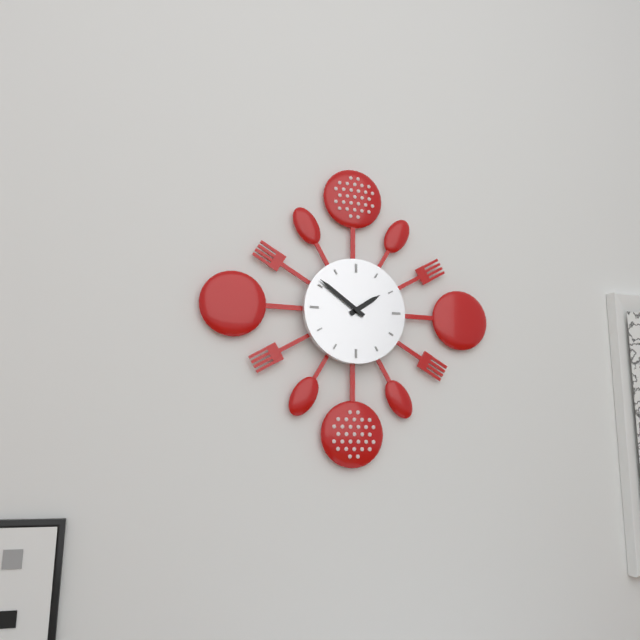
1:51
